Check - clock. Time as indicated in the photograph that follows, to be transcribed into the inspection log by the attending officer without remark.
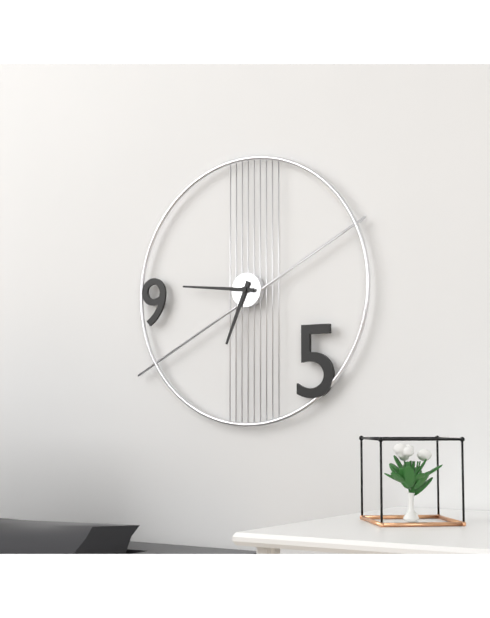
6:46
